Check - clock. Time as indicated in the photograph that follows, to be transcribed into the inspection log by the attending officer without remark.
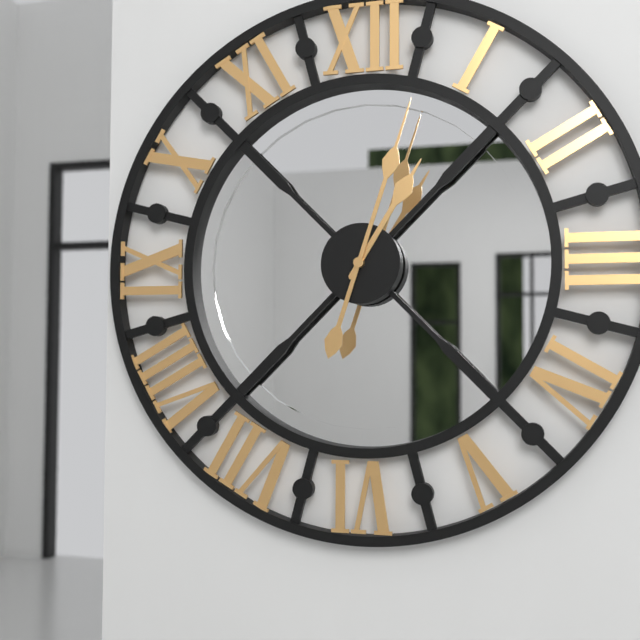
1:03
